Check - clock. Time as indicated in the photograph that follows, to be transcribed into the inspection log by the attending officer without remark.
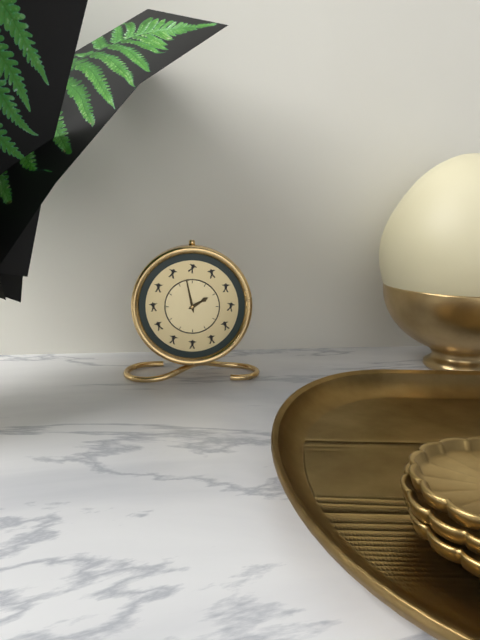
1:58
